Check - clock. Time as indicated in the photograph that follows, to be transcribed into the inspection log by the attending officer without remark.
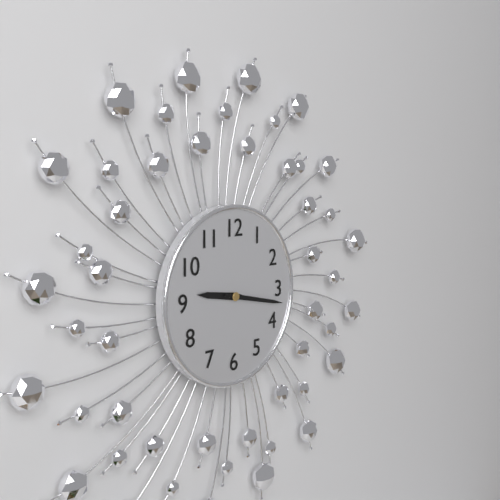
9:17
